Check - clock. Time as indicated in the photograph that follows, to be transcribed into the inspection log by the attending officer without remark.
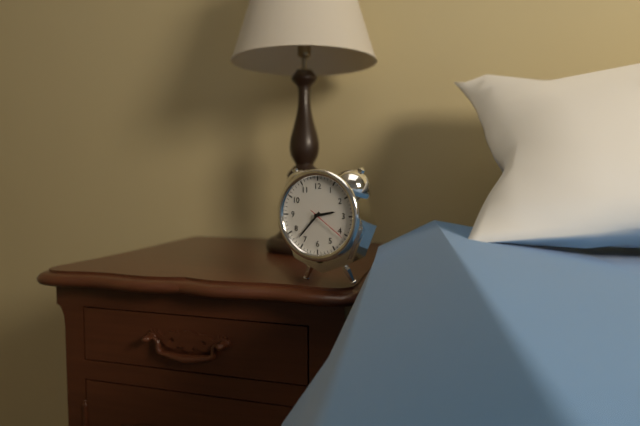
2:37
